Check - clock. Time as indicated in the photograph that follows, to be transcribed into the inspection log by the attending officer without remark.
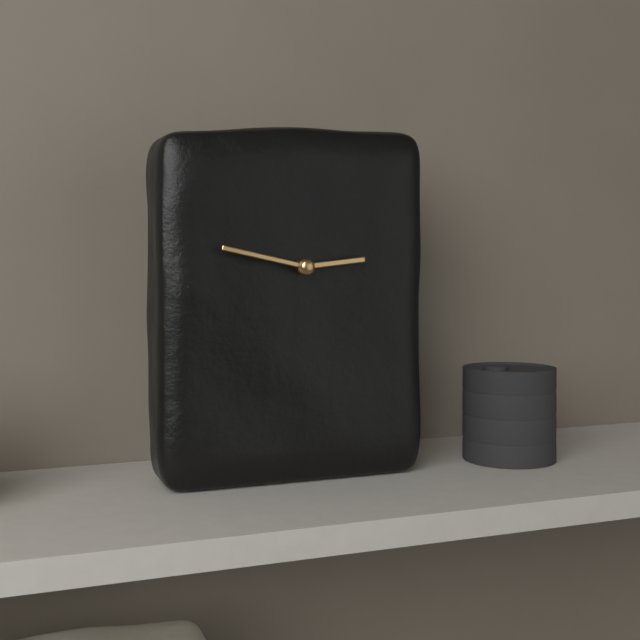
2:47
